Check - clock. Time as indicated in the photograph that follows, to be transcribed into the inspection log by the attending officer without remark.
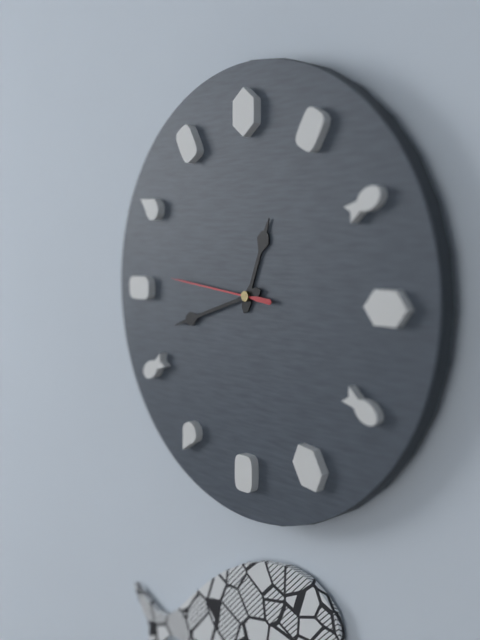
12:42:46
